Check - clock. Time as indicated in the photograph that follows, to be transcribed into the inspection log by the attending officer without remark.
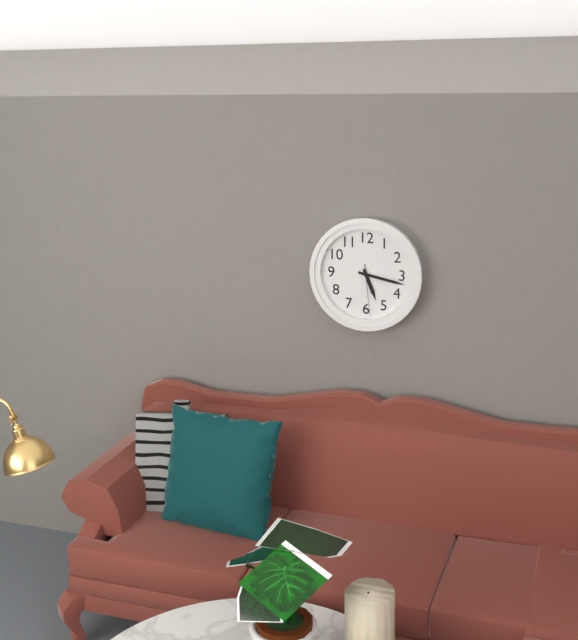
5:17:29
